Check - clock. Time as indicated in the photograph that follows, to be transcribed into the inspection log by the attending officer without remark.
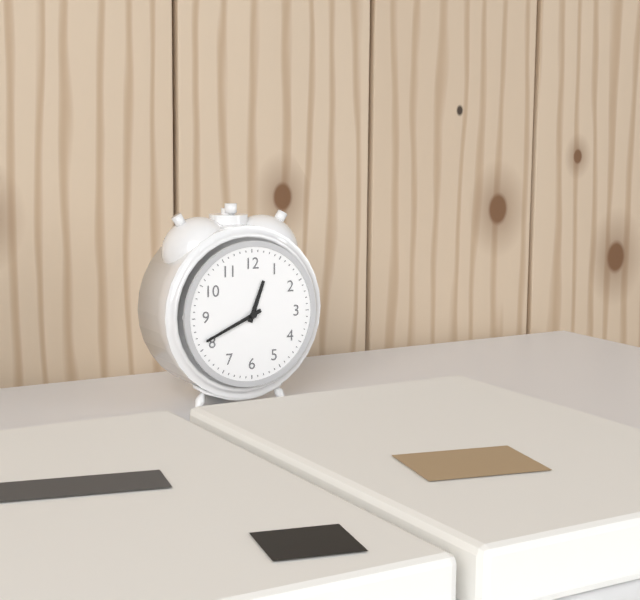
12:41
